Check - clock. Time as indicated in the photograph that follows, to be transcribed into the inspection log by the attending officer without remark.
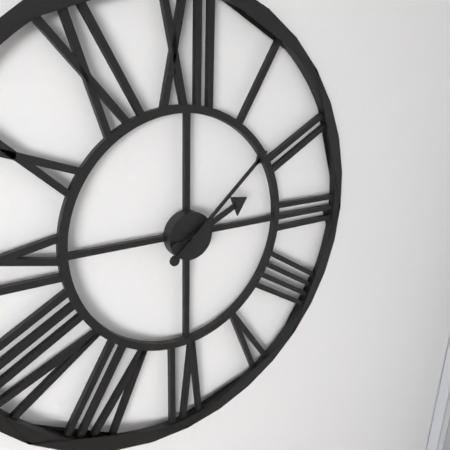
2:08
